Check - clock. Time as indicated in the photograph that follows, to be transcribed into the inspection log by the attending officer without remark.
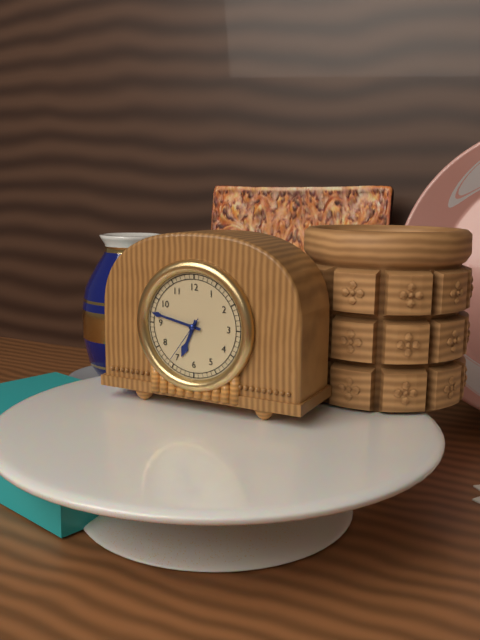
6:47
